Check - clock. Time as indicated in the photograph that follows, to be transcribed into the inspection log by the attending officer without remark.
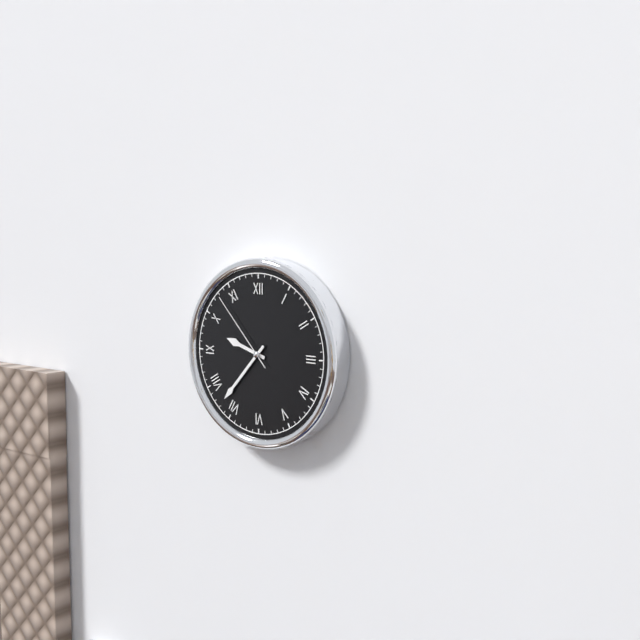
9:37:53
